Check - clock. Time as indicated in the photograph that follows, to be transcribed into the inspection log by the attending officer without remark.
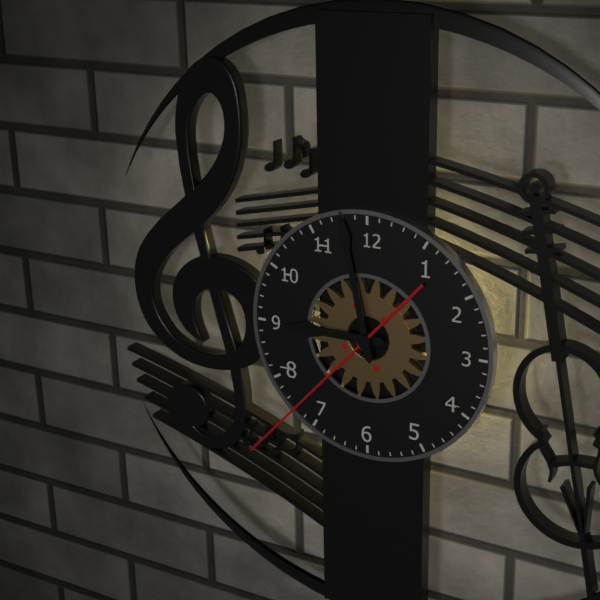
8:58:37
